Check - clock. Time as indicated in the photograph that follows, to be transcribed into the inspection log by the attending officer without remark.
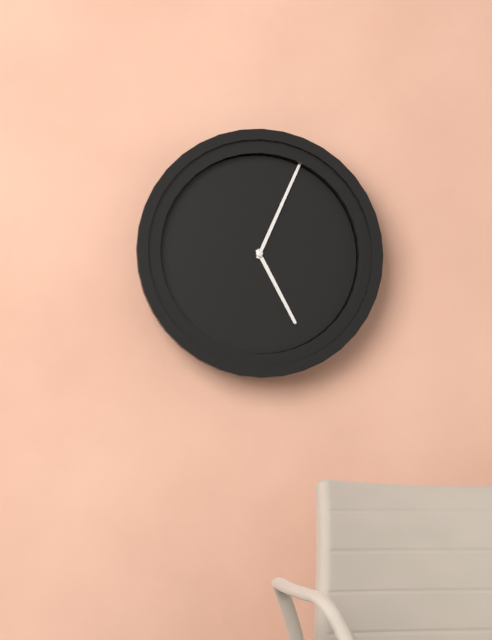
5:04
